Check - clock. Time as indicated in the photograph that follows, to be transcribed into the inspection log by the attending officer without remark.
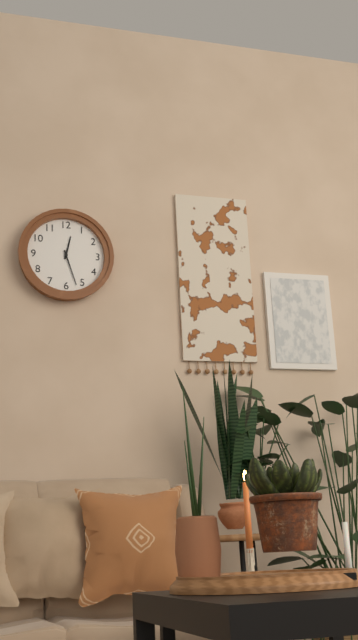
12:27
